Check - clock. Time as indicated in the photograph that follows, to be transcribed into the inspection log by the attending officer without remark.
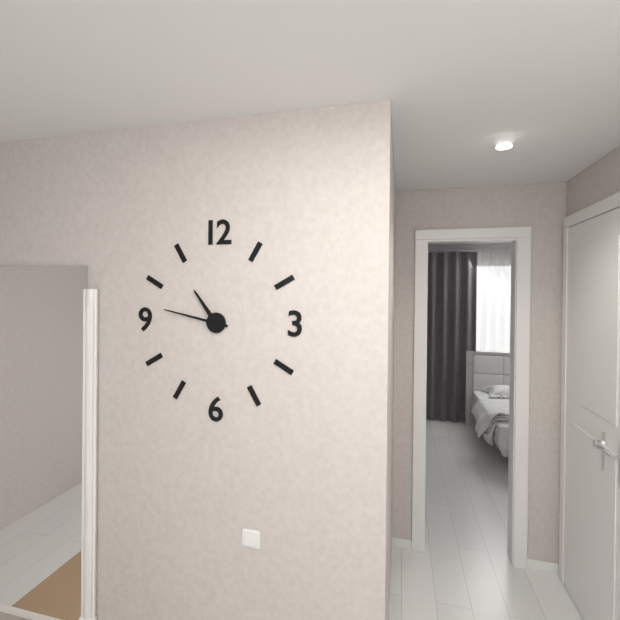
10:47
